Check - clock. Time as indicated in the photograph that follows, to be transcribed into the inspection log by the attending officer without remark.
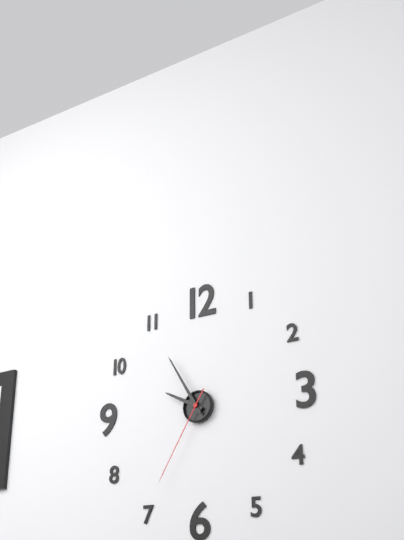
9:55:35
